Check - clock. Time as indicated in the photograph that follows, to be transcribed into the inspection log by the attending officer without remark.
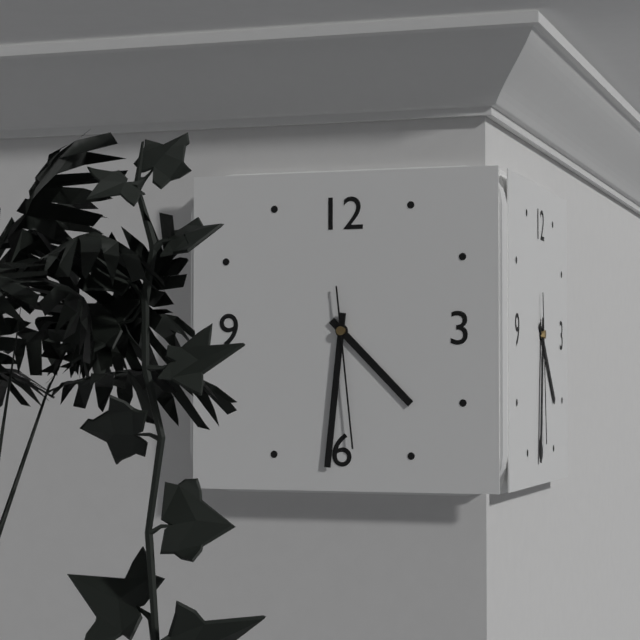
4:31:29
